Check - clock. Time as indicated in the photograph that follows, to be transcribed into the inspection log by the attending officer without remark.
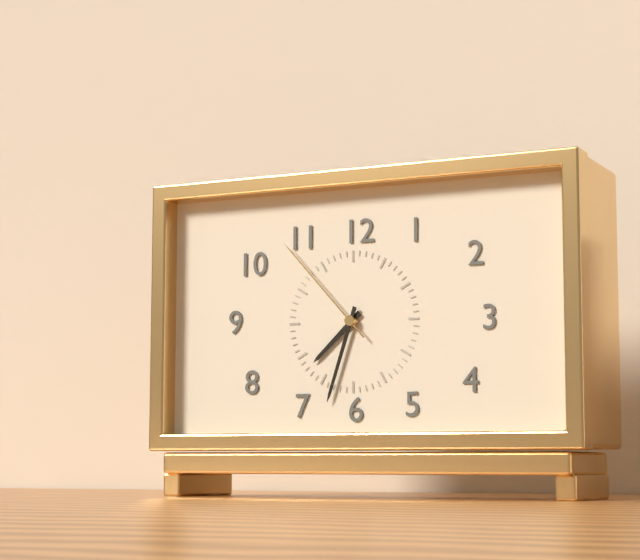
7:33:53
